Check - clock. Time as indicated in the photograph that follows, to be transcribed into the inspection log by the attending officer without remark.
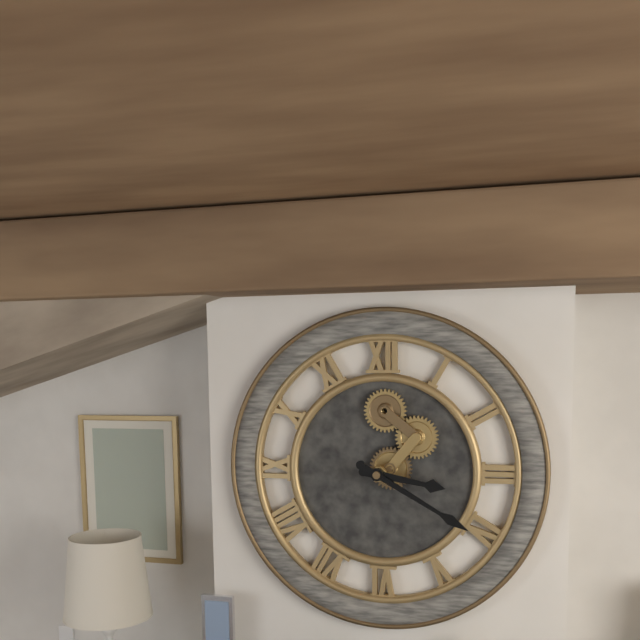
3:20
